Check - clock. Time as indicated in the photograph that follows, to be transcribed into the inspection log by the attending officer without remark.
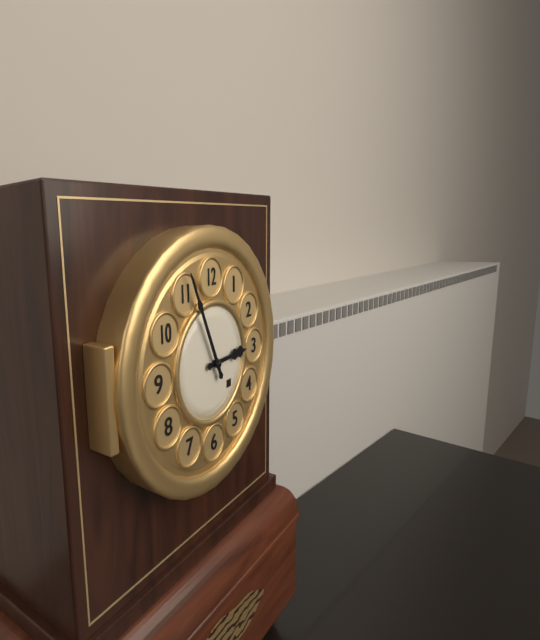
2:56
